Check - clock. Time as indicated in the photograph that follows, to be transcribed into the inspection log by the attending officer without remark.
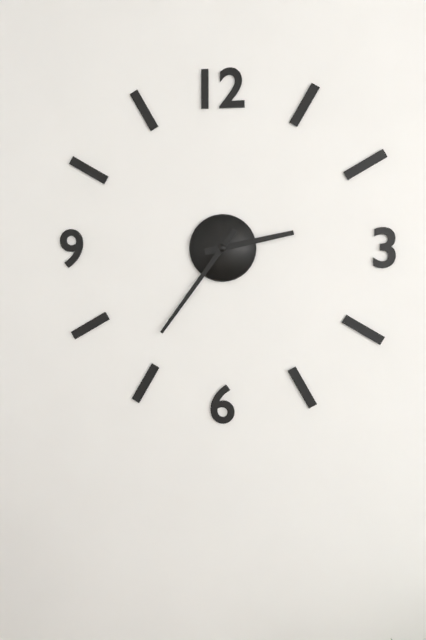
2:36
